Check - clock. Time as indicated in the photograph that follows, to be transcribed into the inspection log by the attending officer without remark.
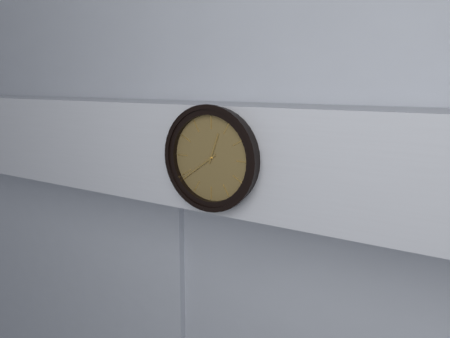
12:39
